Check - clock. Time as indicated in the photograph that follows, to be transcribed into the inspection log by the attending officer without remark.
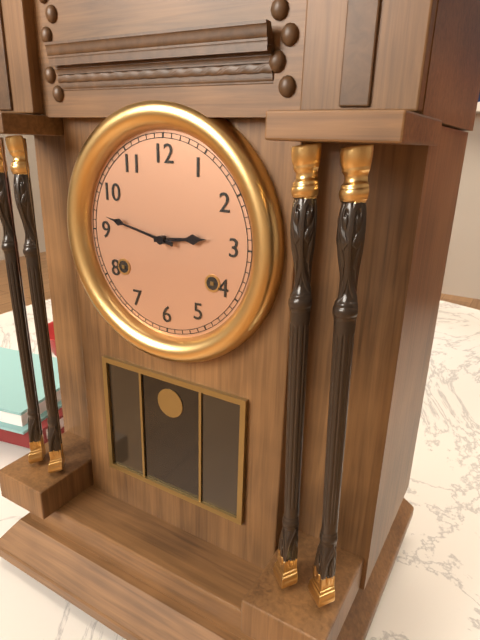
2:47
